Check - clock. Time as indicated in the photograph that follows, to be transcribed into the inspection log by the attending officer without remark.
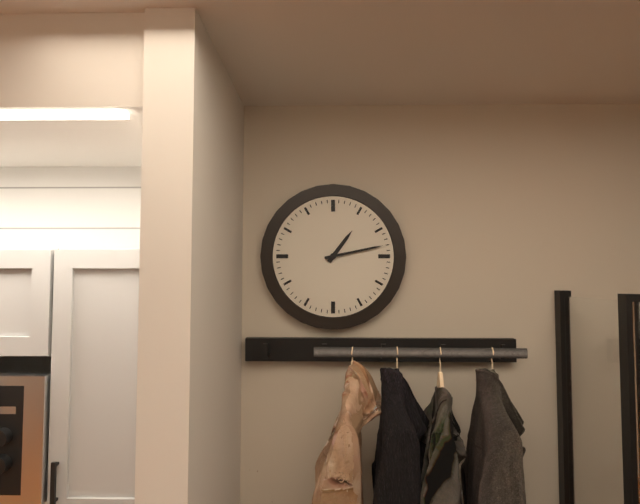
1:13
